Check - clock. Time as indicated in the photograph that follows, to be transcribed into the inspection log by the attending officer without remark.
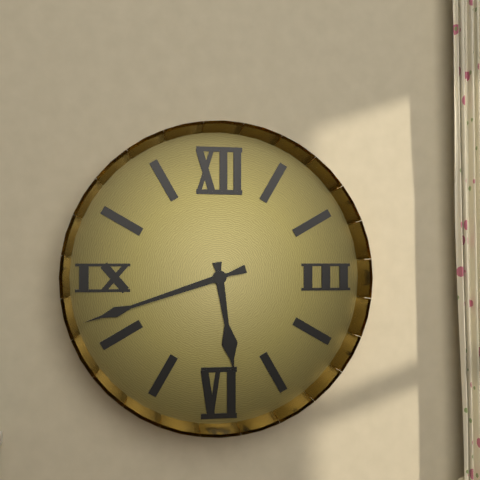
5:42
